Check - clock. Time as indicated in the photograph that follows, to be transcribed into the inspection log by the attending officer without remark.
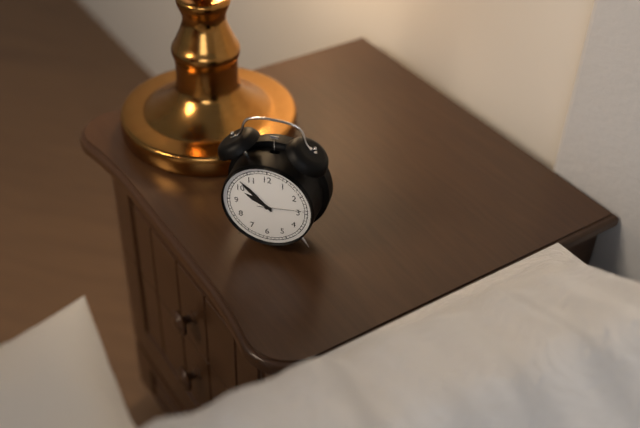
9:52
